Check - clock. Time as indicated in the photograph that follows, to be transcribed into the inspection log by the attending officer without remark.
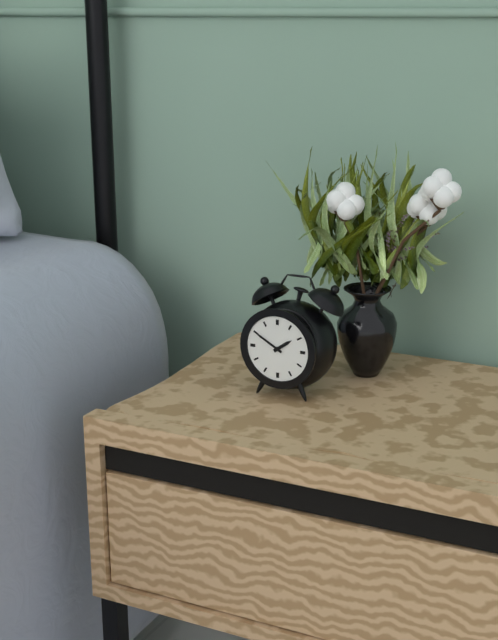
1:50
